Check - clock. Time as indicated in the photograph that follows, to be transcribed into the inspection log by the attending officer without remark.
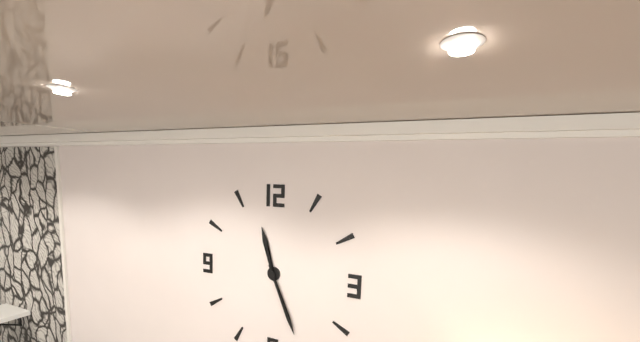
11:26
